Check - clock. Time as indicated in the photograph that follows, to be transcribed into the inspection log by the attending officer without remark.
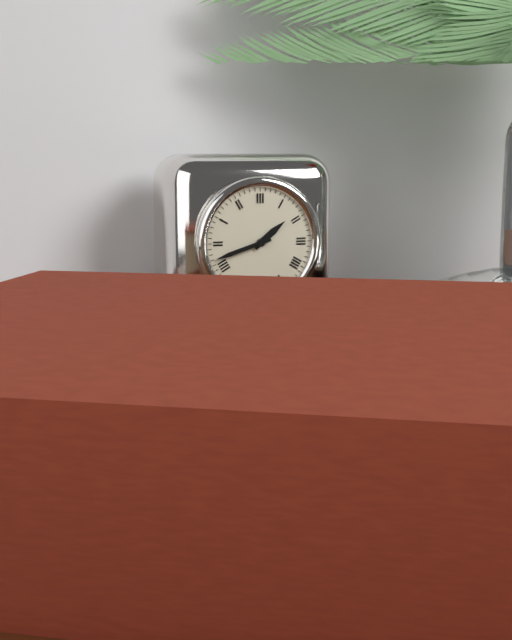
1:42
